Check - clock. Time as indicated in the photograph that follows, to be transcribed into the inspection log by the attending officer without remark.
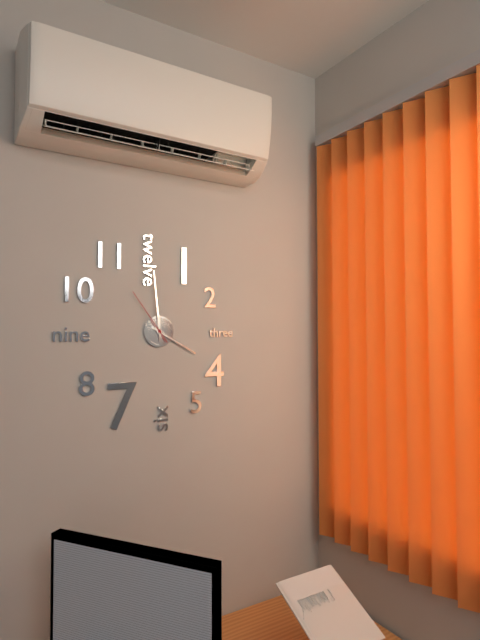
3:59:54
